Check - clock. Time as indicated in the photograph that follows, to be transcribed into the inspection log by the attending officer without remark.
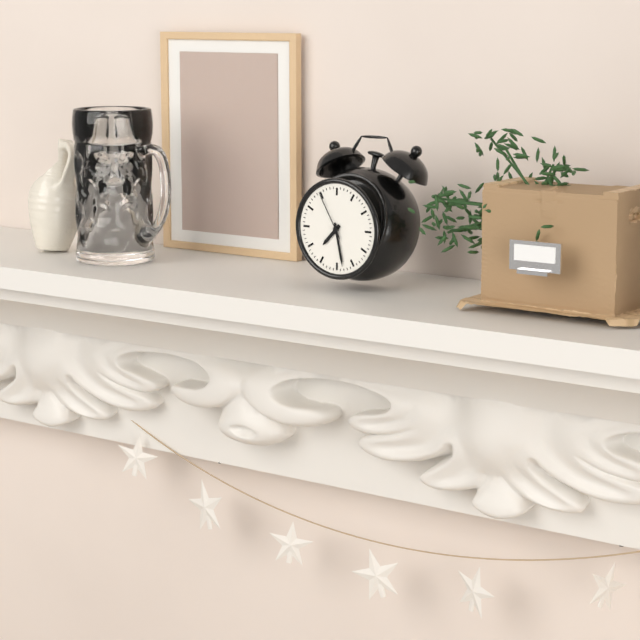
7:28:55
